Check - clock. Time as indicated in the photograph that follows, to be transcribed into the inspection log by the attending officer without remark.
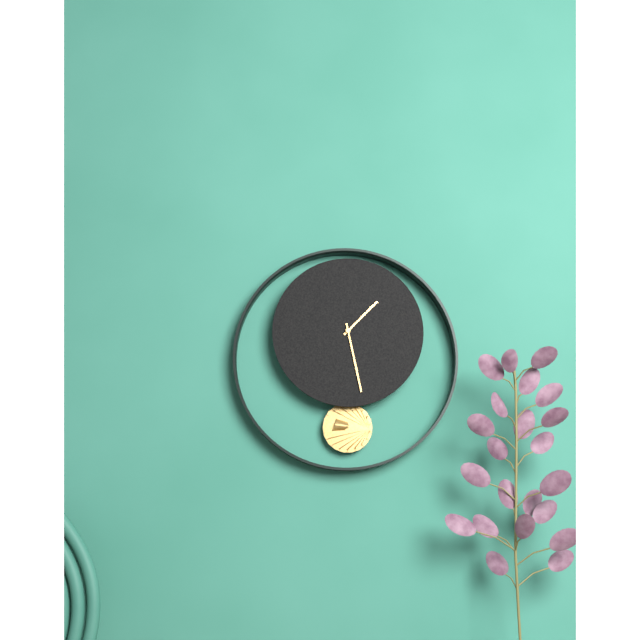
1:28
